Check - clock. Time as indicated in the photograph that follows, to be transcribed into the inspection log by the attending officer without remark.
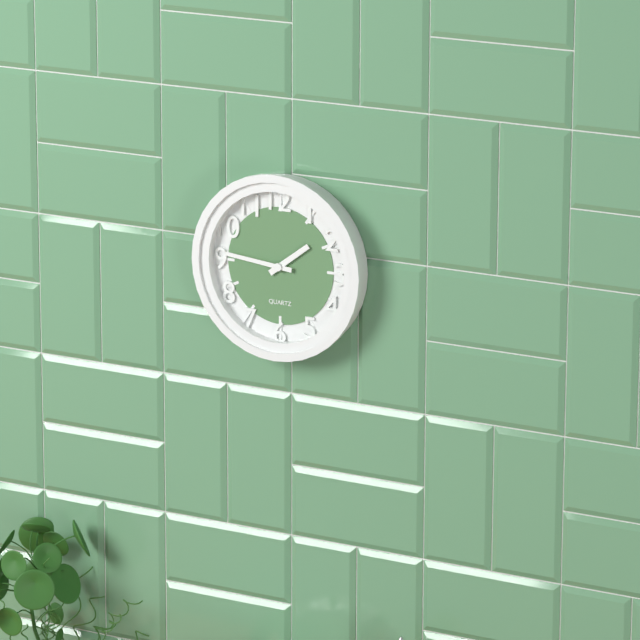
1:46
